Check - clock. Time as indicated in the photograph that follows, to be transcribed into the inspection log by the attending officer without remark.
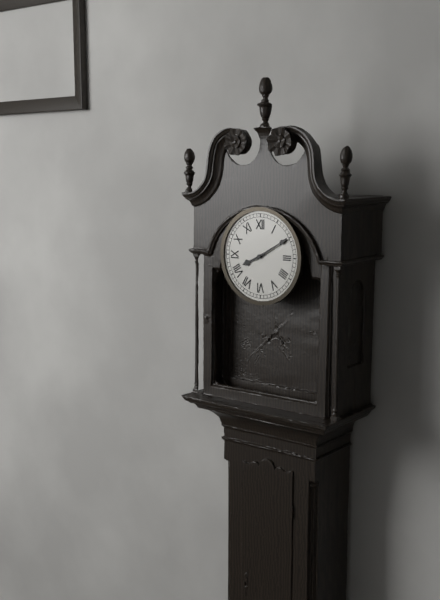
8:10
